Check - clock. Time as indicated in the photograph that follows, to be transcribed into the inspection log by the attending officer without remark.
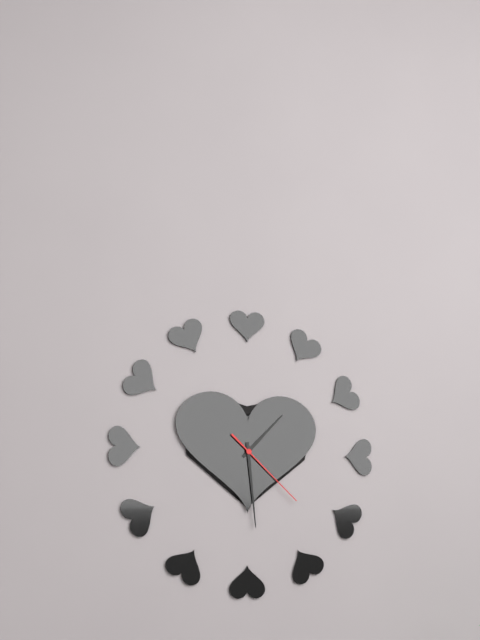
1:29:22
